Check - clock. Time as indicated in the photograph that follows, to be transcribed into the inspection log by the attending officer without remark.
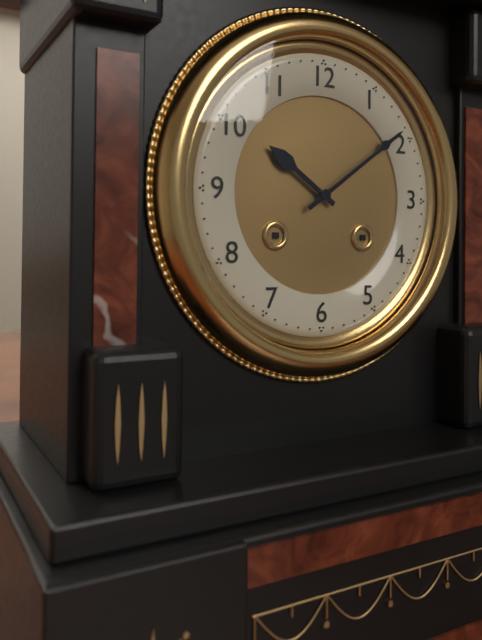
10:09
